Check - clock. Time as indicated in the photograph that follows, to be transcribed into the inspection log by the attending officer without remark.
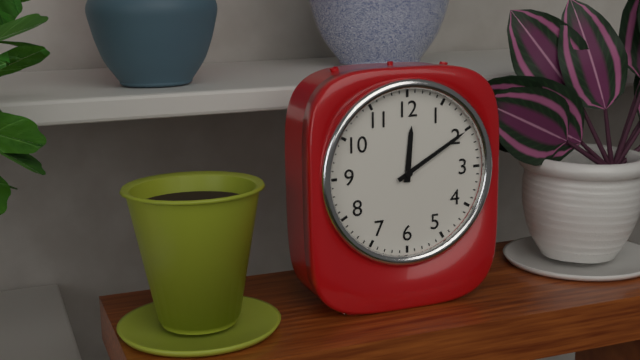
12:10
